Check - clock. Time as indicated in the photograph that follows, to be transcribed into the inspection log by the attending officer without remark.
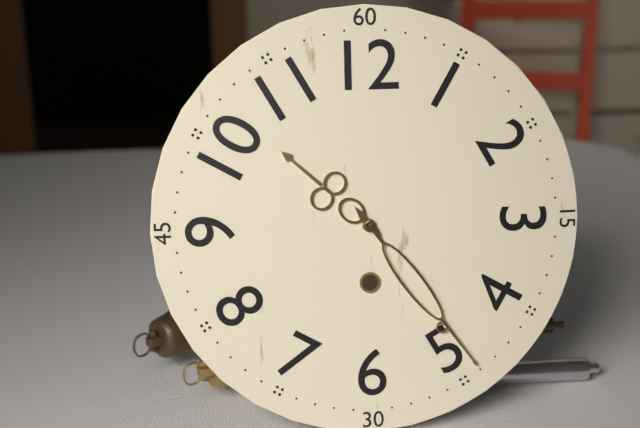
10:24
